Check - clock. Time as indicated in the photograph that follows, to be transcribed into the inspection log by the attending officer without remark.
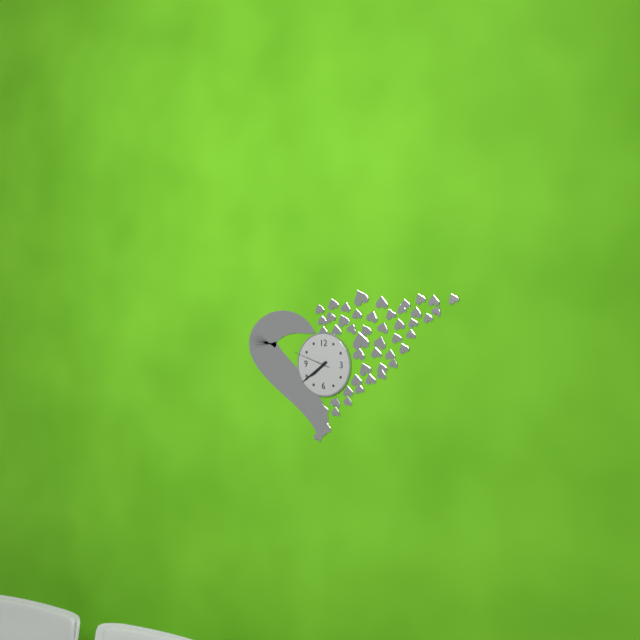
7:39
